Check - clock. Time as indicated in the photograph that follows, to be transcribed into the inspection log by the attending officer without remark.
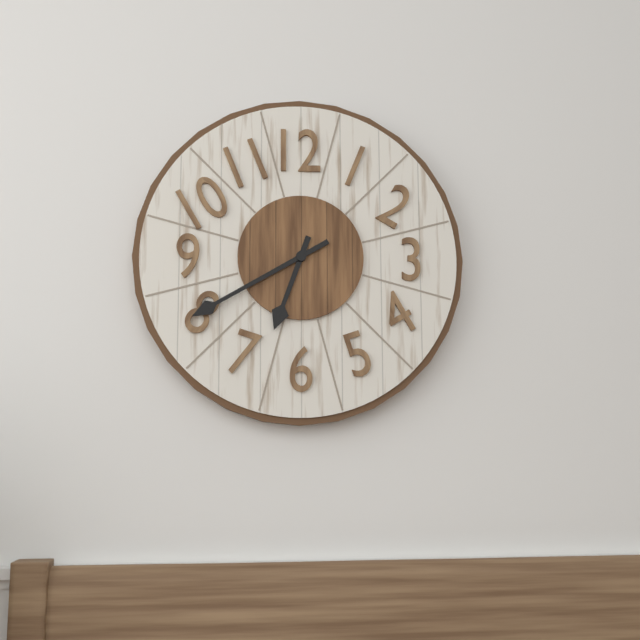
6:40
